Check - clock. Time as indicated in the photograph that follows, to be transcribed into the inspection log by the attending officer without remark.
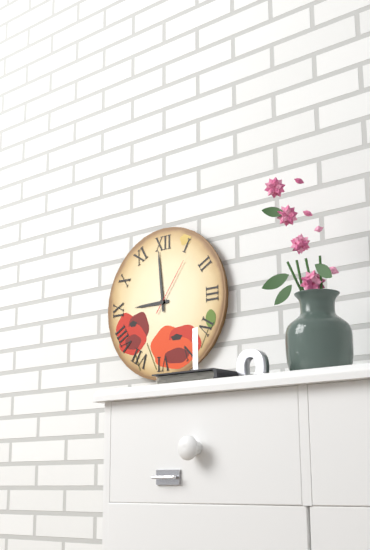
8:59:06
